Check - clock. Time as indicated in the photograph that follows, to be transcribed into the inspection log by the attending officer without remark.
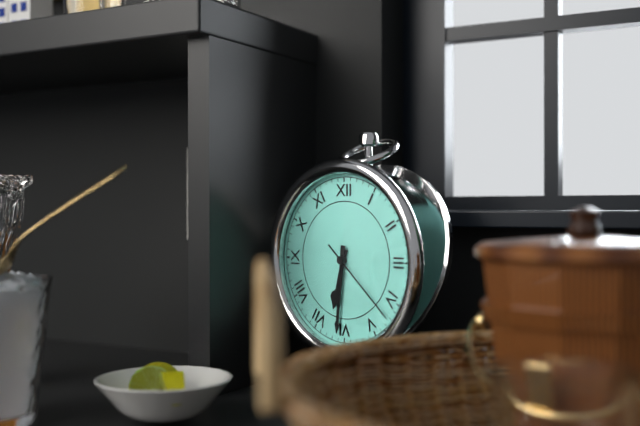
6:31:22
